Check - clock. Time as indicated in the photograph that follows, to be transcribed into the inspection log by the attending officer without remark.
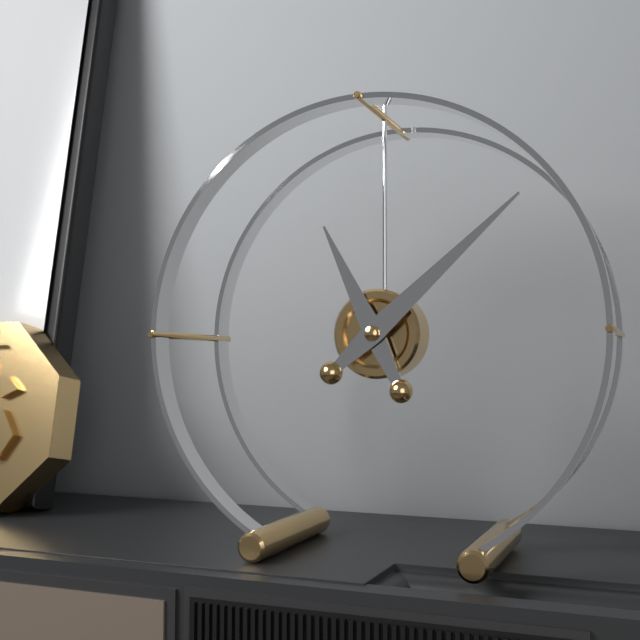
11:08
